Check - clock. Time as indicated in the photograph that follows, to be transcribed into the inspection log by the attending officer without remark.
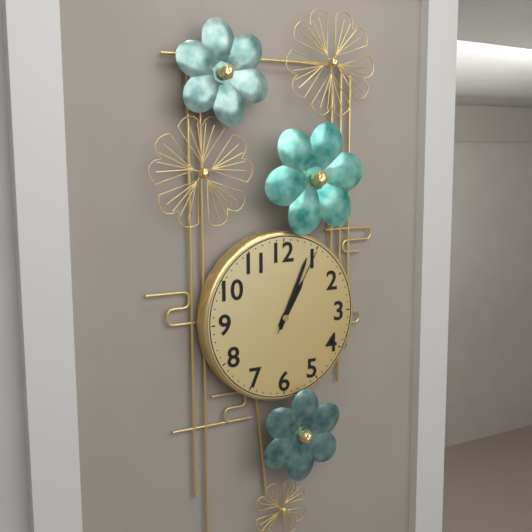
1:04:05
